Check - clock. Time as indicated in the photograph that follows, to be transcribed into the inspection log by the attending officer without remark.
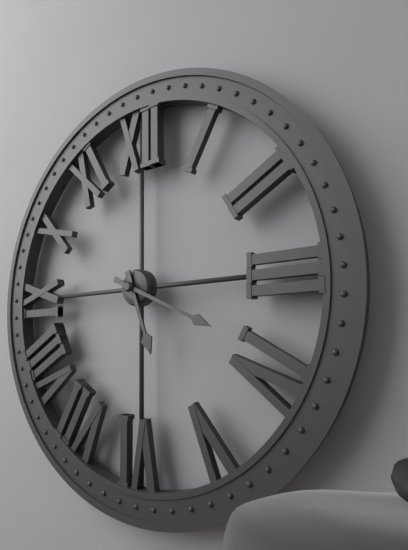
5:19
